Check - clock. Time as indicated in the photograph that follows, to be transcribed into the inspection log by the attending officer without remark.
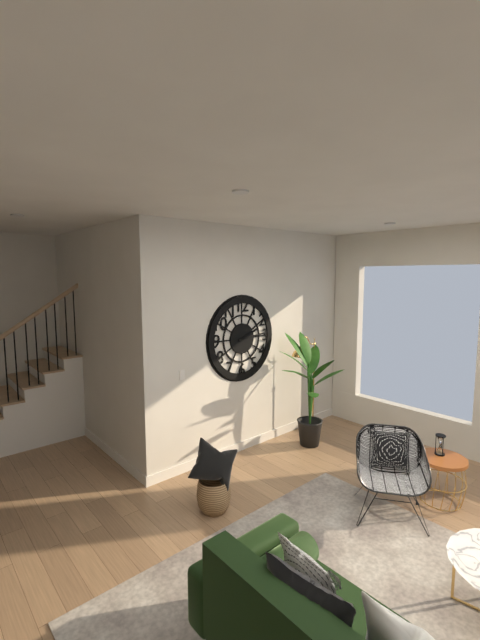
2:14
